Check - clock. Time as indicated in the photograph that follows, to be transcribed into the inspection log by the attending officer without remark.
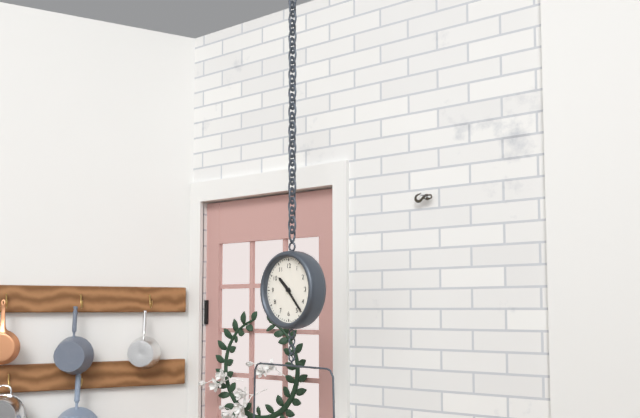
10:23
